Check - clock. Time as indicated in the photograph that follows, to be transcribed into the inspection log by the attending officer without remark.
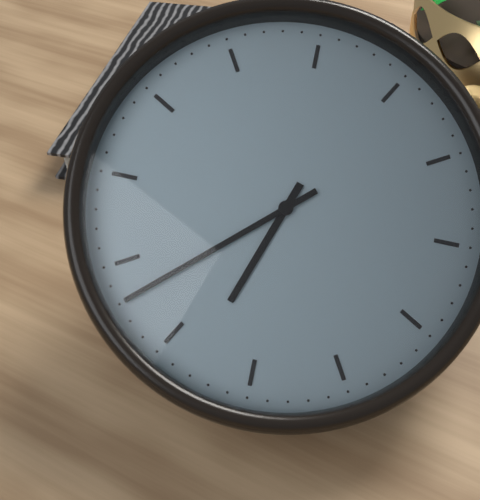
6:38
